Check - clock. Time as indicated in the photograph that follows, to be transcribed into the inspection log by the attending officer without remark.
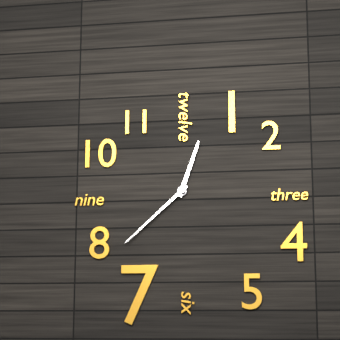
12:38
